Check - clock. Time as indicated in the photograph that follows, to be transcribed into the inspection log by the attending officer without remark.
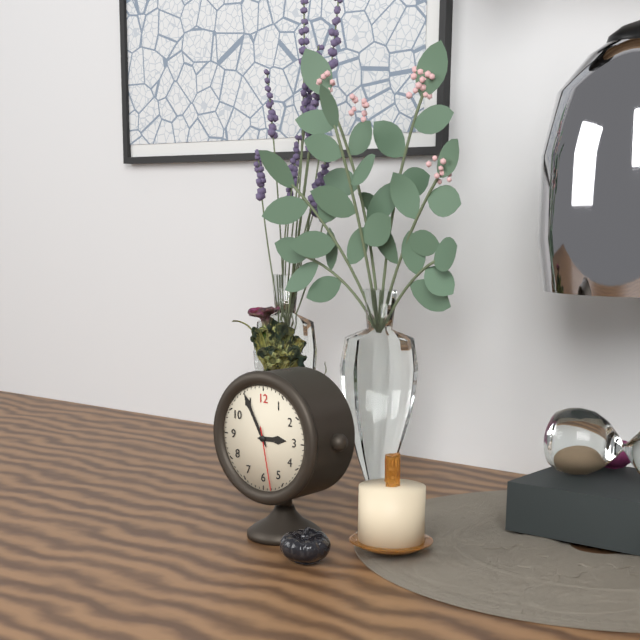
2:55:28
